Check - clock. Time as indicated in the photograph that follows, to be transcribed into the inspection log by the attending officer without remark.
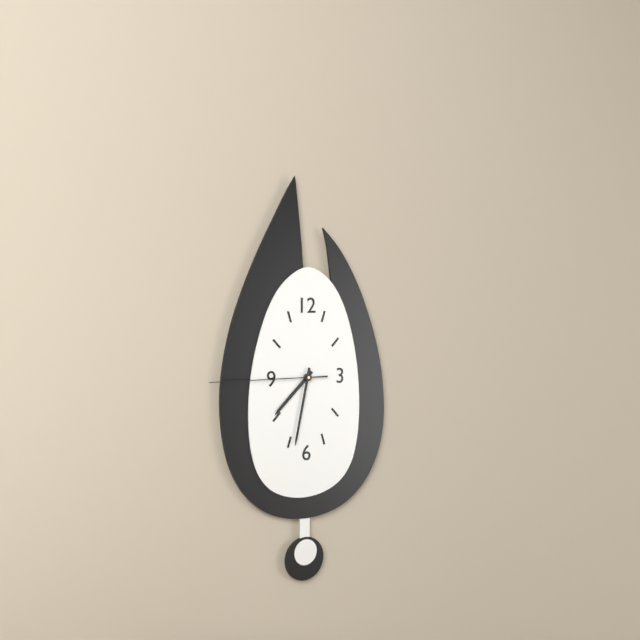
7:32:45
